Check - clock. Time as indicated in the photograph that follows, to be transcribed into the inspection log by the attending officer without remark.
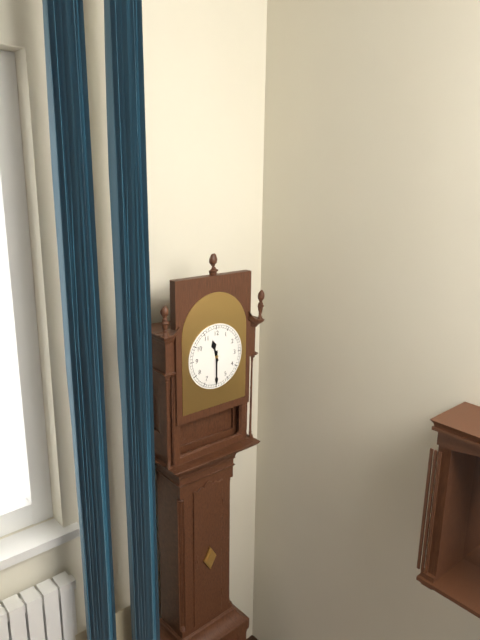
11:30
